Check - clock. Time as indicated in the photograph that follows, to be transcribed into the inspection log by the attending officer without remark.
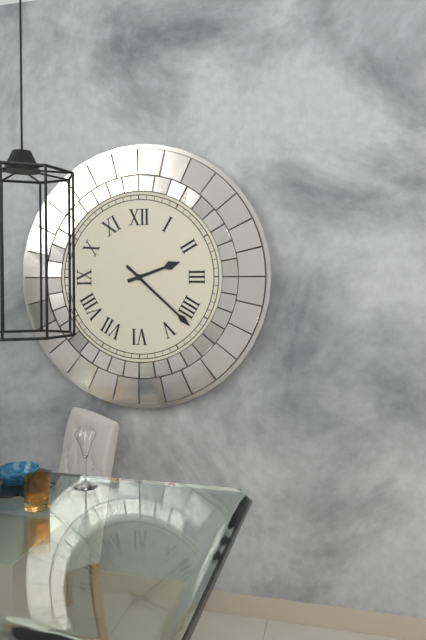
2:22
